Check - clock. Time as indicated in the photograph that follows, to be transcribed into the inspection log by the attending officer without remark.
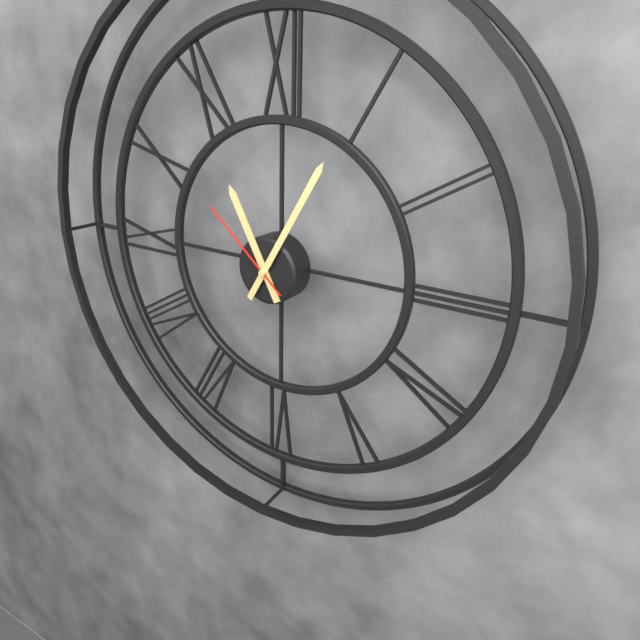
11:05:52
